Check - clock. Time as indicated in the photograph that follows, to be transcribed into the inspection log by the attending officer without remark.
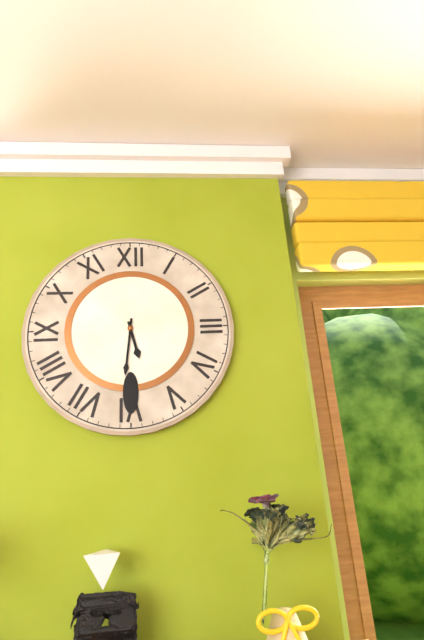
5:31
